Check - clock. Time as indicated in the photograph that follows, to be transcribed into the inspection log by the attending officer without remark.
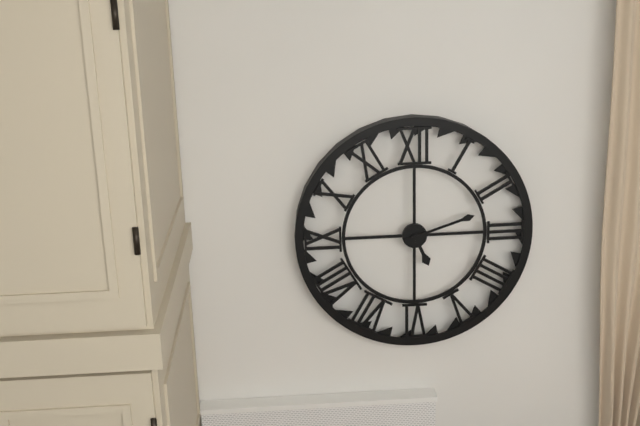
5:12
